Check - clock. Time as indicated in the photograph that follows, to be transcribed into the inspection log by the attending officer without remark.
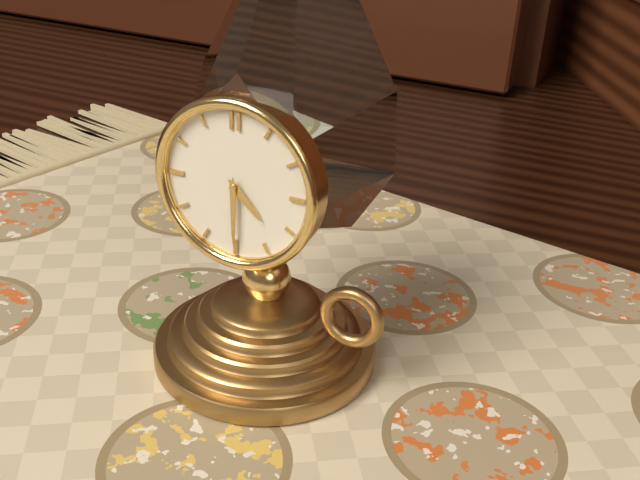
4:30
